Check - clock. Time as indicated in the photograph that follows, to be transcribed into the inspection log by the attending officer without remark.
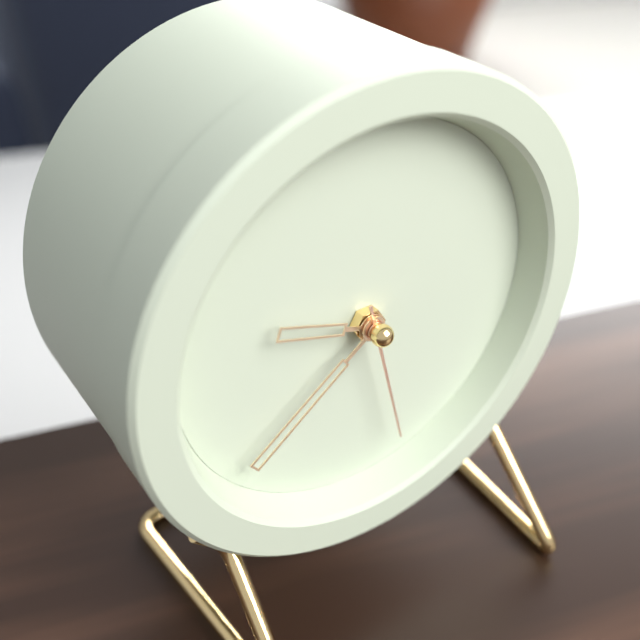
9:39:28
